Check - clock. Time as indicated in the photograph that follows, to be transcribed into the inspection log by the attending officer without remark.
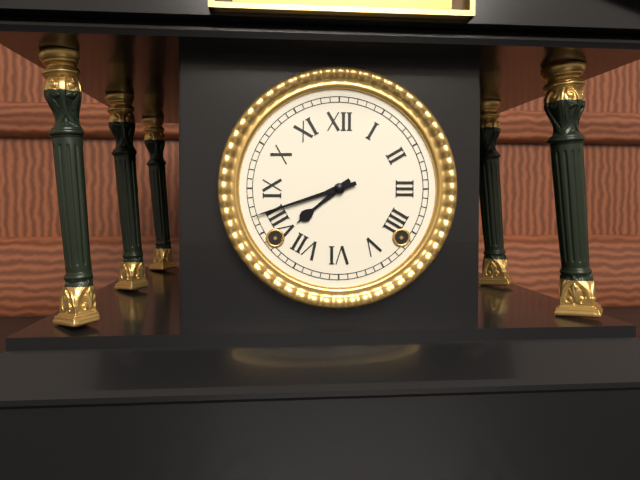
7:42
